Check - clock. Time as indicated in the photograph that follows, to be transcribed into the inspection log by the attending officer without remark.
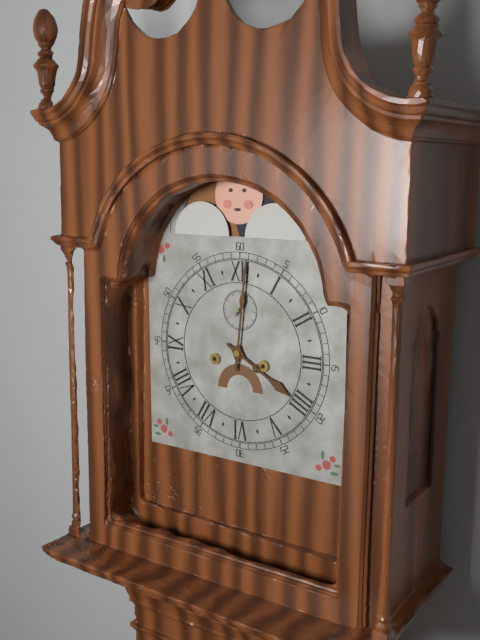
4:01
